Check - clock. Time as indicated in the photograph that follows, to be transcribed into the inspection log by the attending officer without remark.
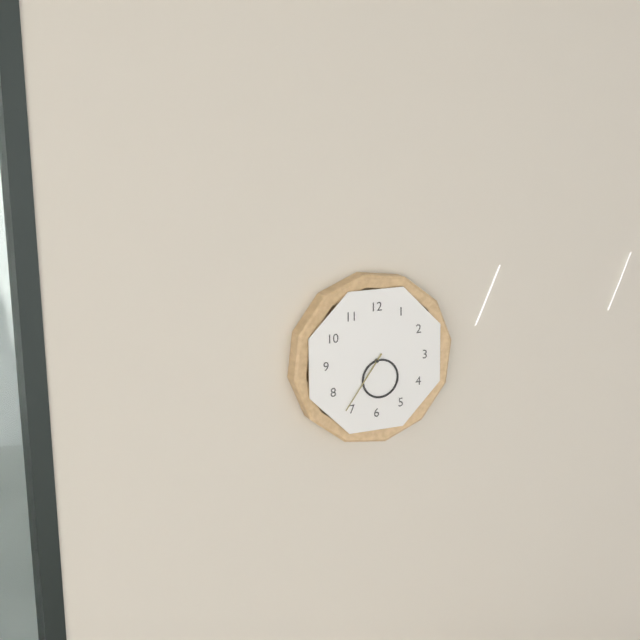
5:36
